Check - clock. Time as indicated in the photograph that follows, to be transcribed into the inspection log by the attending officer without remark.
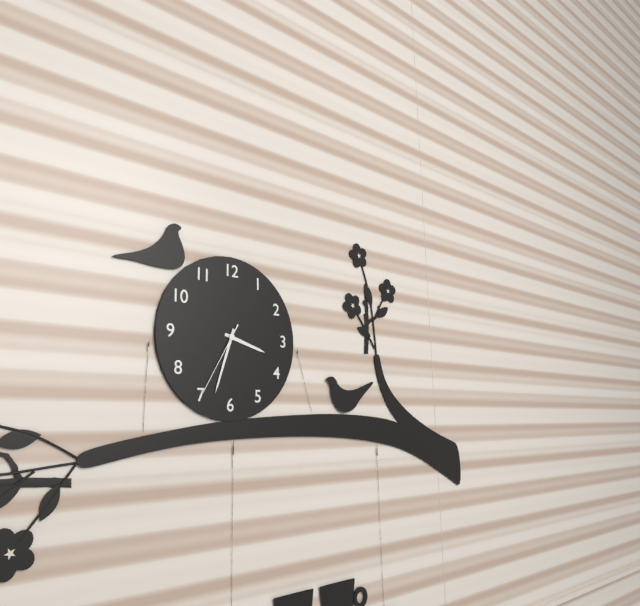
3:33:35
